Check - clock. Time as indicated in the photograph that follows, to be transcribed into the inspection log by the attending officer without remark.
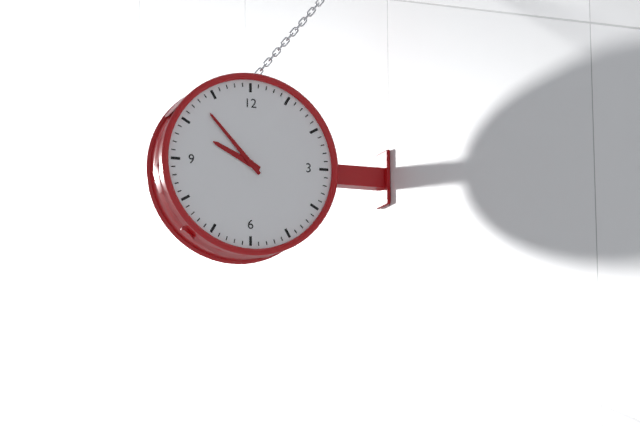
9:53
